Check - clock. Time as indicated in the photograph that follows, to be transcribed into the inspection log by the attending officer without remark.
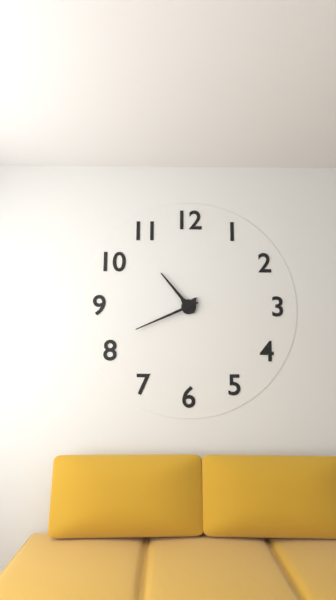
10:41
